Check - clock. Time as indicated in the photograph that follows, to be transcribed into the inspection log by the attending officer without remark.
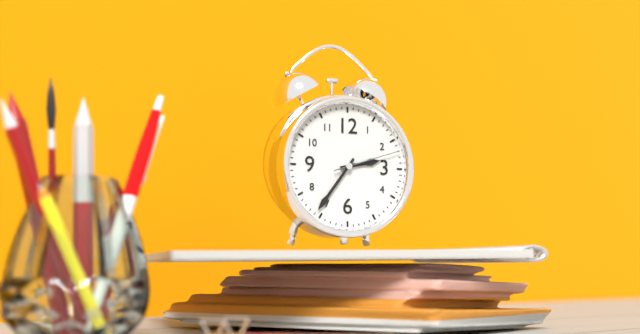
2:36:12
